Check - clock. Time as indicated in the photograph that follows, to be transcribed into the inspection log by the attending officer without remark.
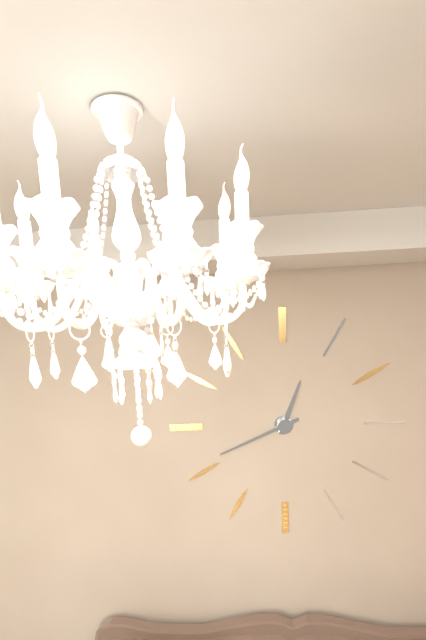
12:41
